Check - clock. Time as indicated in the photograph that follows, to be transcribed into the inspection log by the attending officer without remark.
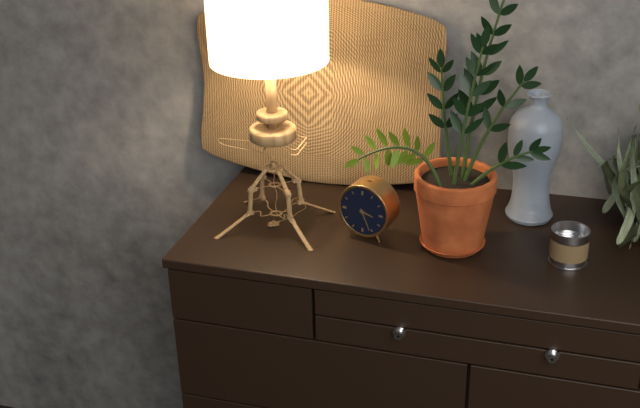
3:26
